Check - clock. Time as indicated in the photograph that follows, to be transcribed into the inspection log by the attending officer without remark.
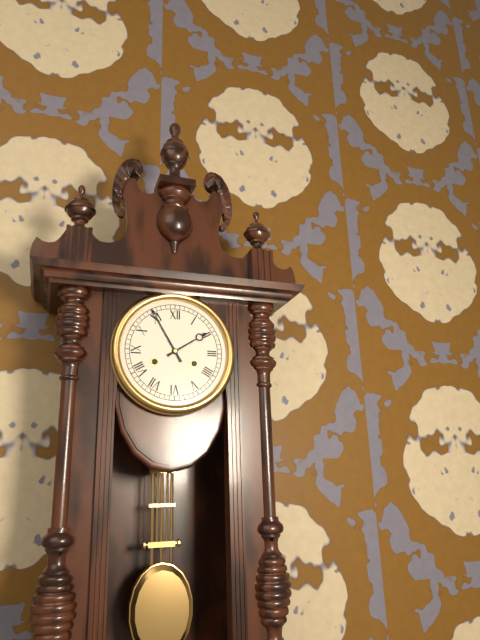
1:55
